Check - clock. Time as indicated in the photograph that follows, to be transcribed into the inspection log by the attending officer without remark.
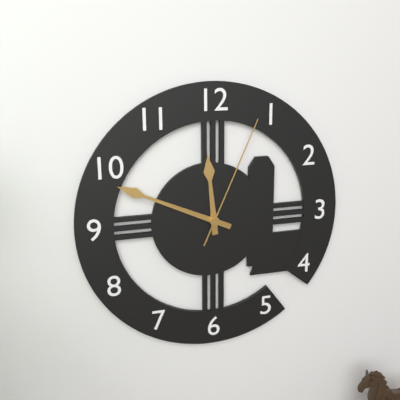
11:49:04
